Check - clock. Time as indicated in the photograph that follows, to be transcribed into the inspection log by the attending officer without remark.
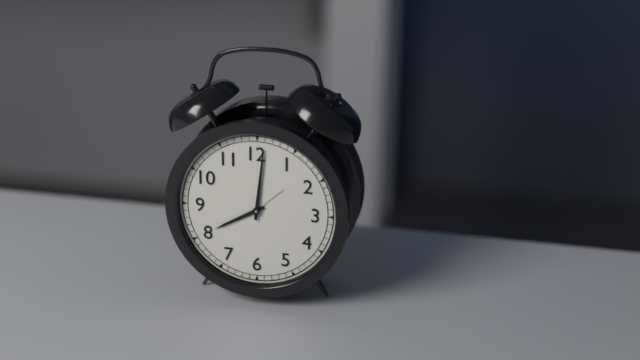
8:01
